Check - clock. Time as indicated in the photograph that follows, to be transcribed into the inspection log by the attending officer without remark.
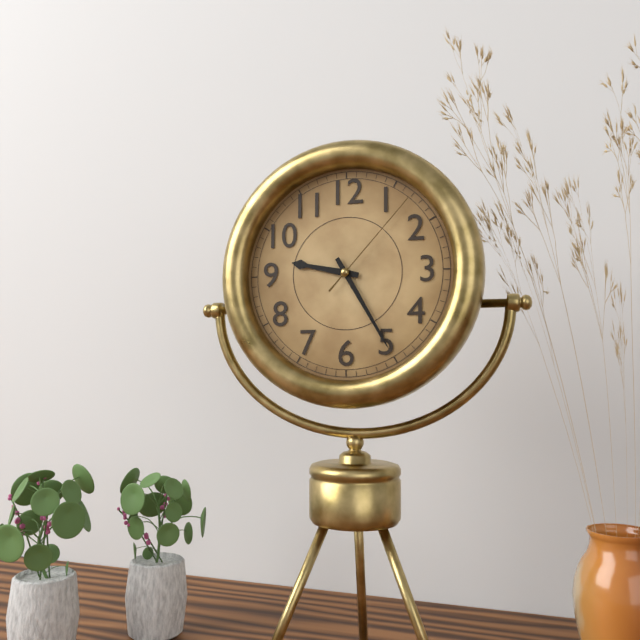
9:25:07
